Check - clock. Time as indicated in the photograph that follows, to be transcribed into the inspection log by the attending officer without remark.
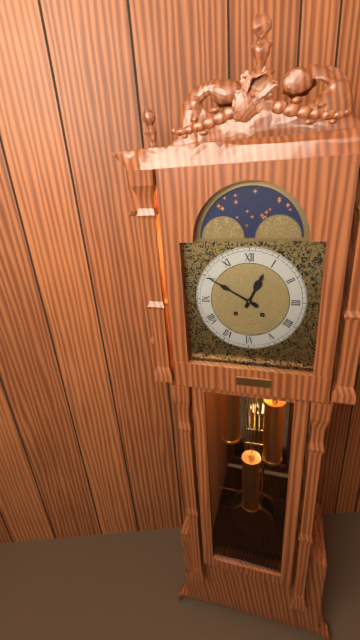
12:50
